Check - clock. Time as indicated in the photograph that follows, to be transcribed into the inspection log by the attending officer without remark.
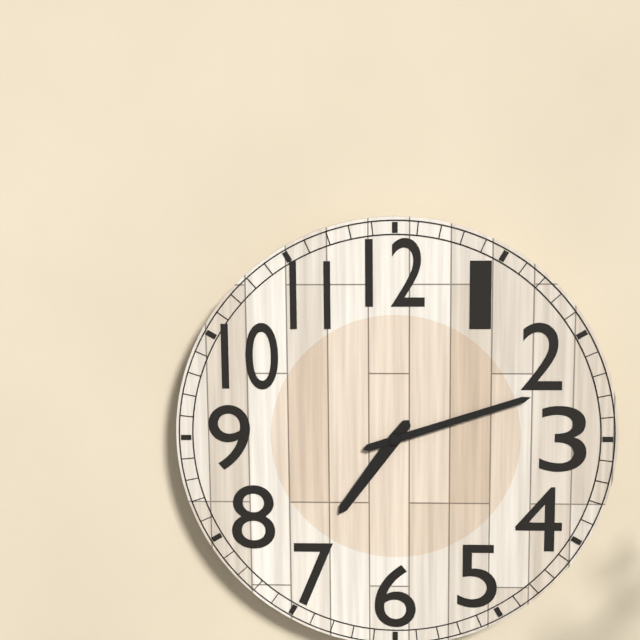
7:12
